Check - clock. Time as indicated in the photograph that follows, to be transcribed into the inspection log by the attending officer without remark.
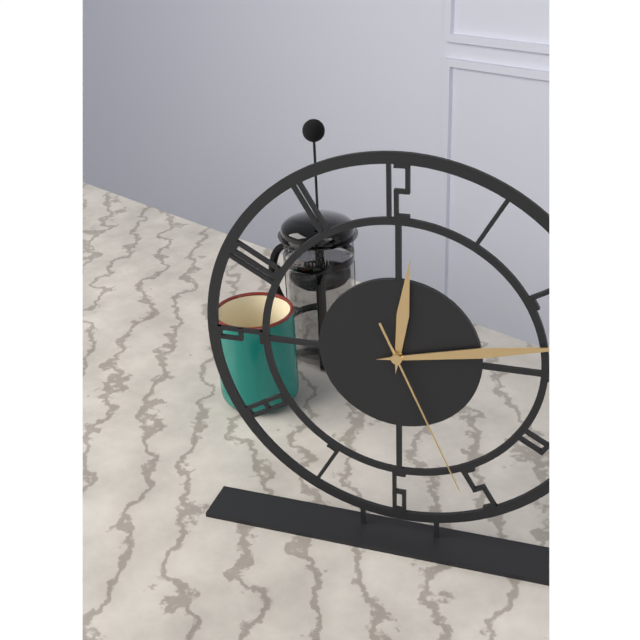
12:13:26
